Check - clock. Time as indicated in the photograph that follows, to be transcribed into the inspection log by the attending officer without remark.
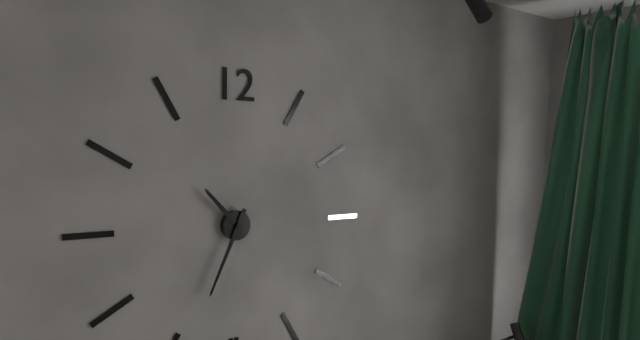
10:34
